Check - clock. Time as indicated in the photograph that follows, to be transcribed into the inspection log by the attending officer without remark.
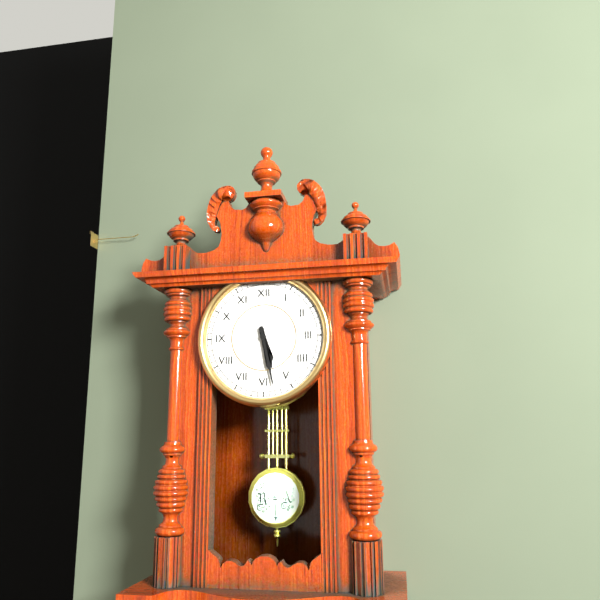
5:28
